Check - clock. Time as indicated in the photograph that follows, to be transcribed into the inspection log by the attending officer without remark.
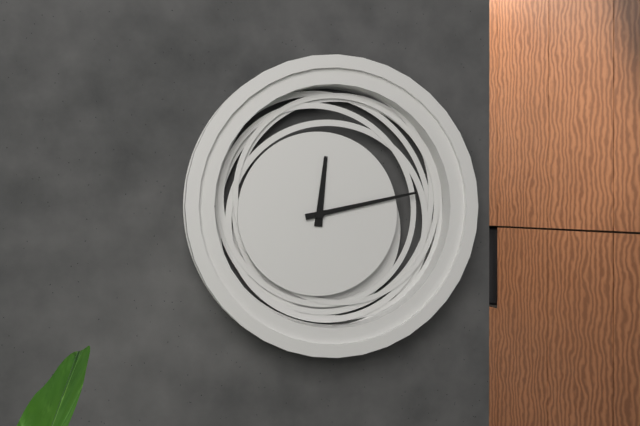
12:13
